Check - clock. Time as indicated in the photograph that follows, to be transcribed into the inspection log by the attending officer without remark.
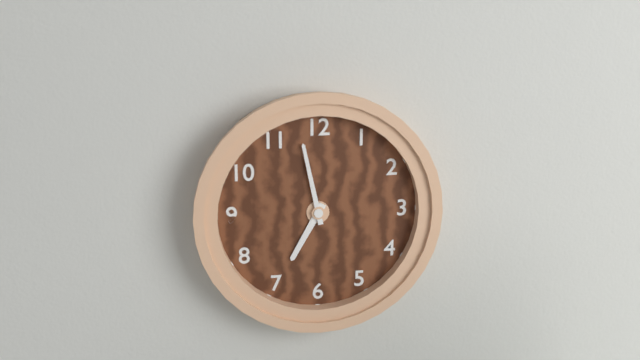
6:58
